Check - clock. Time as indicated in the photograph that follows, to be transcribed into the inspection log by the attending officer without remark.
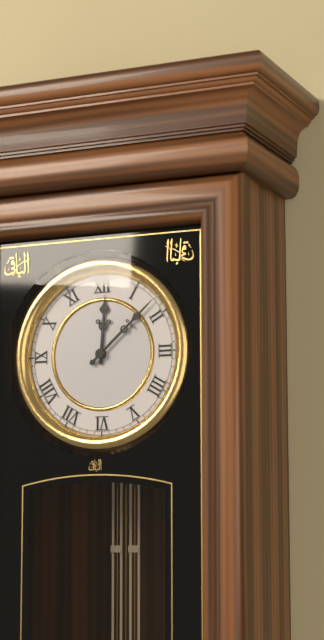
12:08
